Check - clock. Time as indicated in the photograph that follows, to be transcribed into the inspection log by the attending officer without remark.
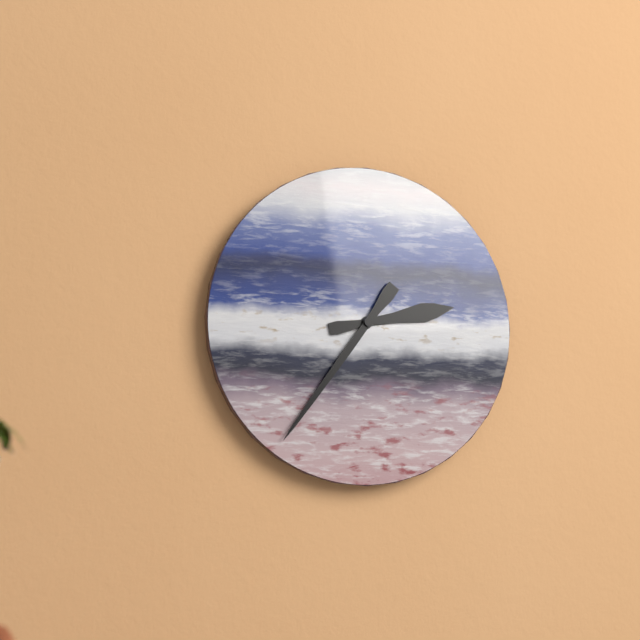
2:36
